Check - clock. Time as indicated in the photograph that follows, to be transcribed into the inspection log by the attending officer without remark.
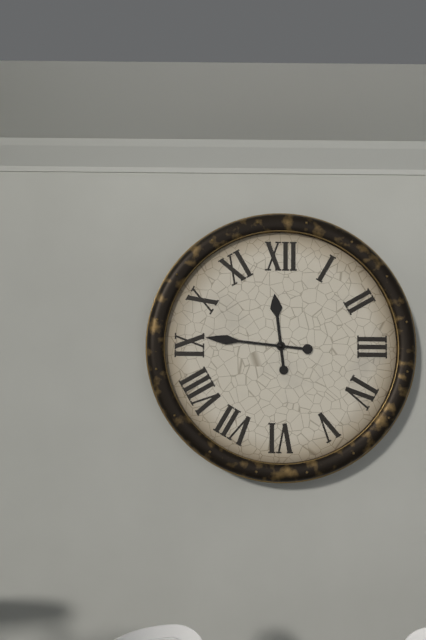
11:46
